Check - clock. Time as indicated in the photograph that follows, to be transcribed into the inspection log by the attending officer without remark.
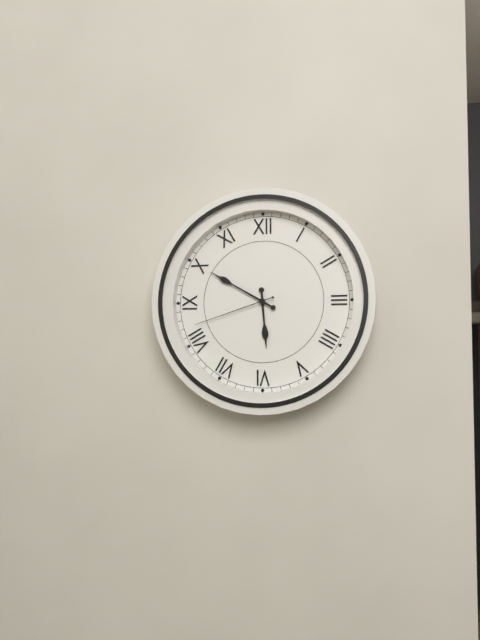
5:50:42
